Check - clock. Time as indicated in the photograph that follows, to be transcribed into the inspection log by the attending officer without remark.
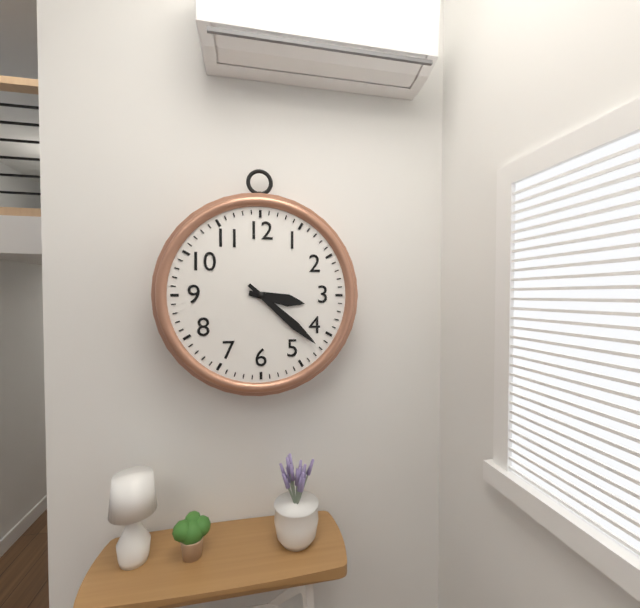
3:22
